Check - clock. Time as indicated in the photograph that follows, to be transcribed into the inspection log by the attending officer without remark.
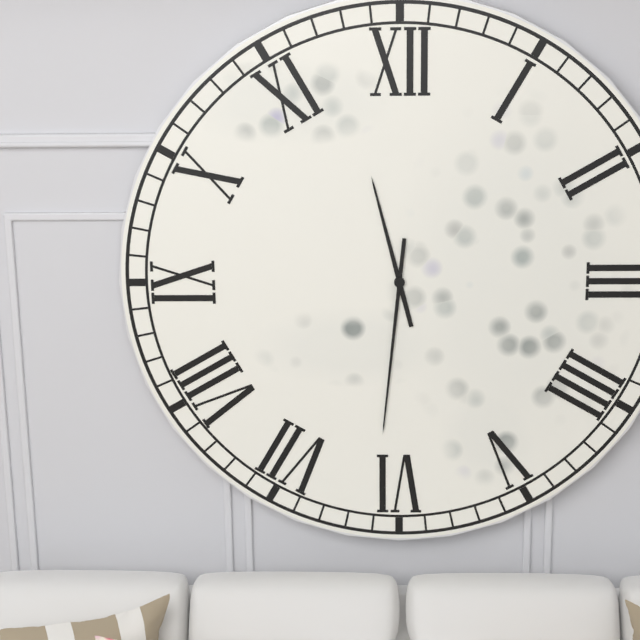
11:31
